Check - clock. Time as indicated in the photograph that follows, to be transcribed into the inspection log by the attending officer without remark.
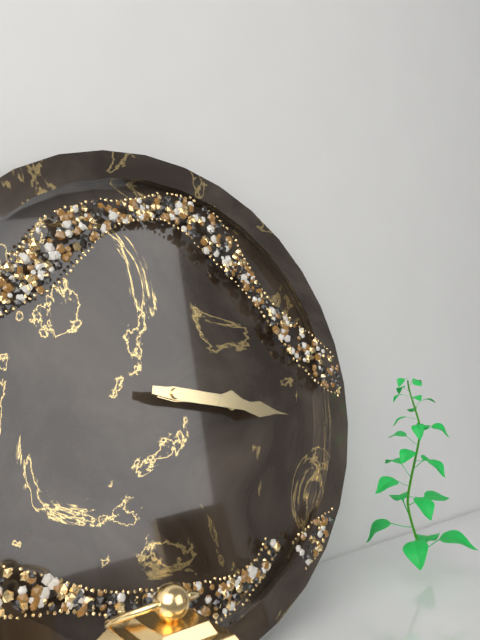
3:17
